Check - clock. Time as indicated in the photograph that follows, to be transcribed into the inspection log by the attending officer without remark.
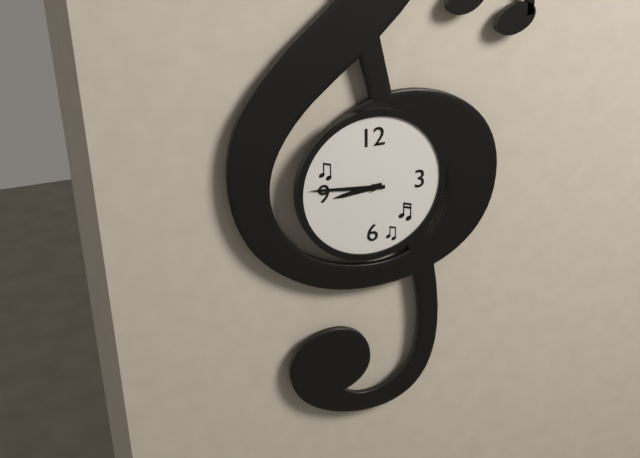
8:46
